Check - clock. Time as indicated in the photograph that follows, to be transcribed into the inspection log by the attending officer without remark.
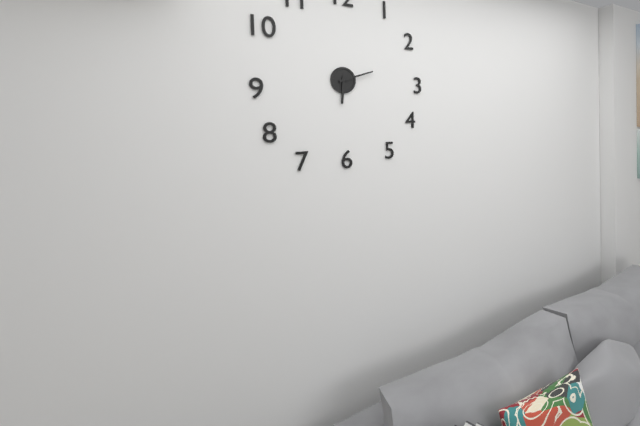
6:12
